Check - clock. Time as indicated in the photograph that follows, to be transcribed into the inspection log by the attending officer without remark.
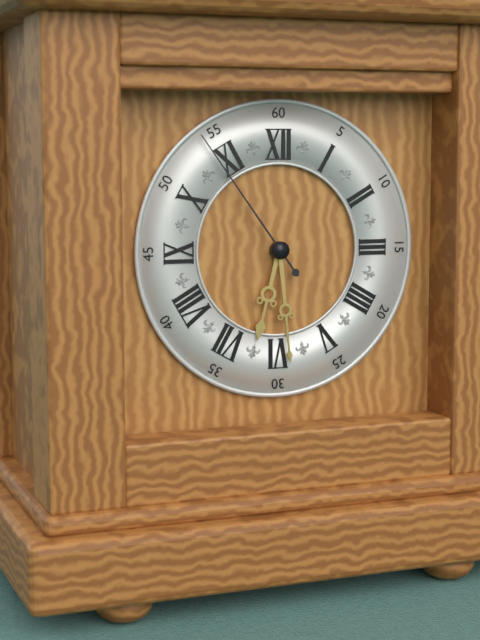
6:29:54
